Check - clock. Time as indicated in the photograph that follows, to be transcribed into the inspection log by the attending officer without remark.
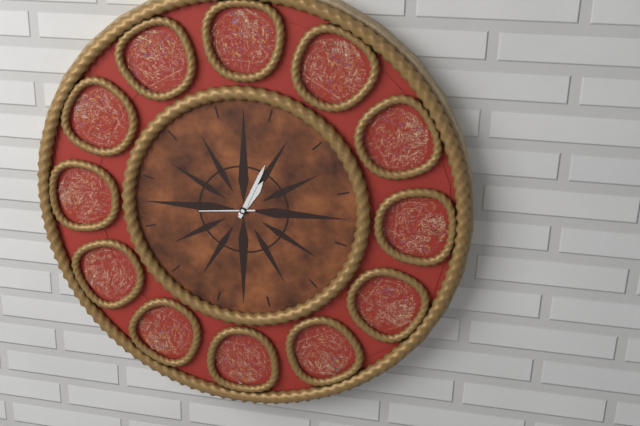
1:04:44
